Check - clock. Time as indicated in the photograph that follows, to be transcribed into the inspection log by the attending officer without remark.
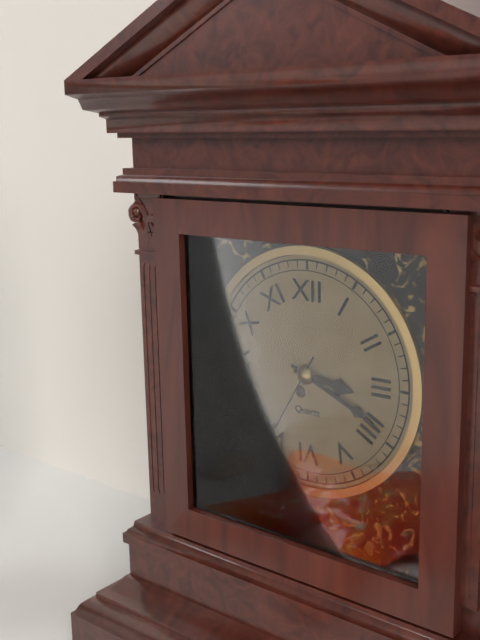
3:19:35
